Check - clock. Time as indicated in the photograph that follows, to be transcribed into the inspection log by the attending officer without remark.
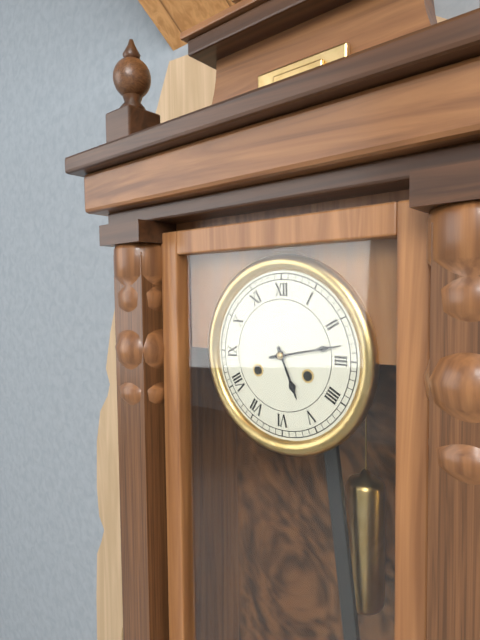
5:13
